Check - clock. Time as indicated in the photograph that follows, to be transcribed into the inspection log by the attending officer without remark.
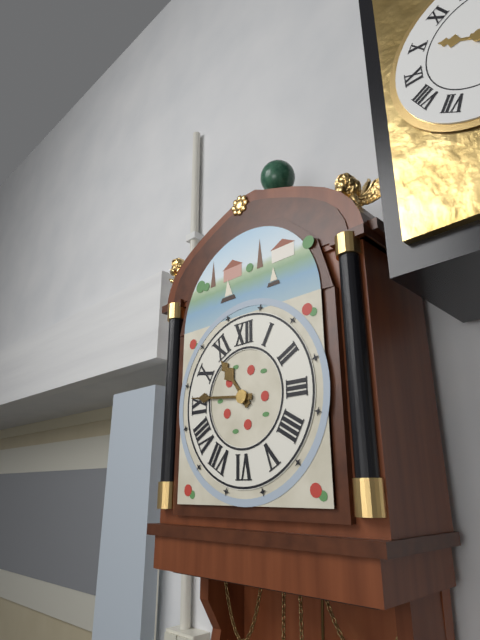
10:46
